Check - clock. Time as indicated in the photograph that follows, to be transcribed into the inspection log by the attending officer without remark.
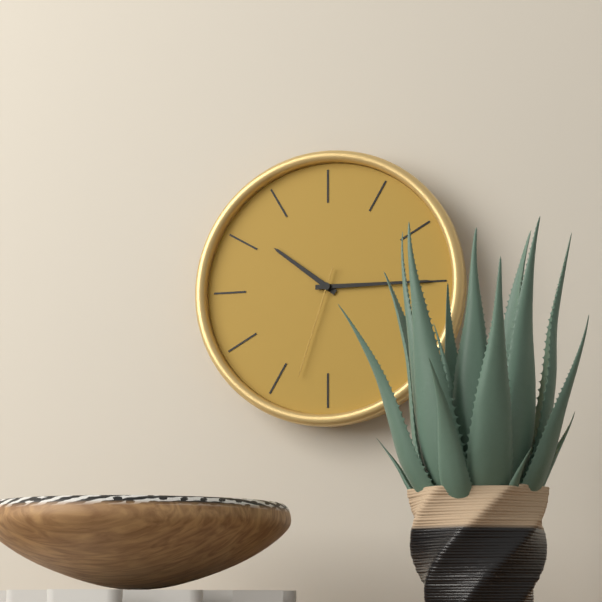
10:15:33
